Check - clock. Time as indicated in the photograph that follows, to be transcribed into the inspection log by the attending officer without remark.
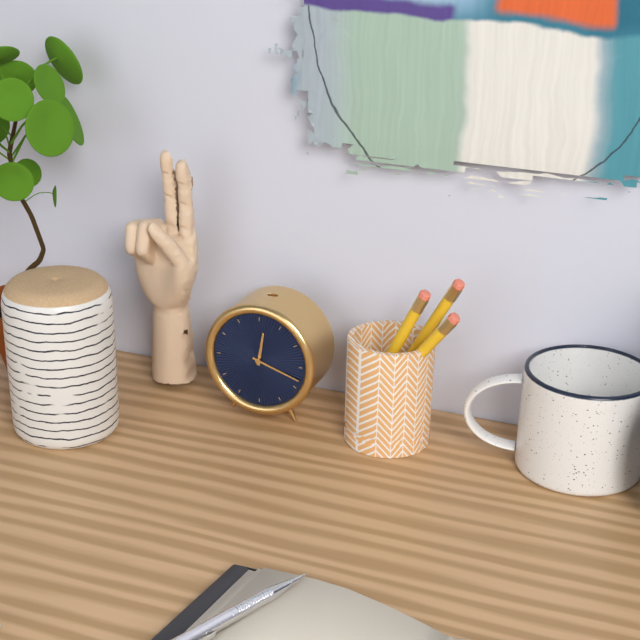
12:18
